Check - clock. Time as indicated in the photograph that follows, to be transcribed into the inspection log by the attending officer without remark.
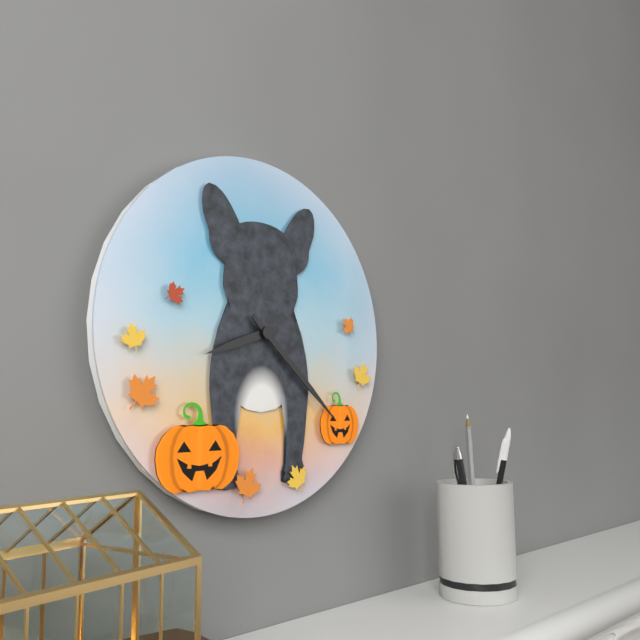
8:22
